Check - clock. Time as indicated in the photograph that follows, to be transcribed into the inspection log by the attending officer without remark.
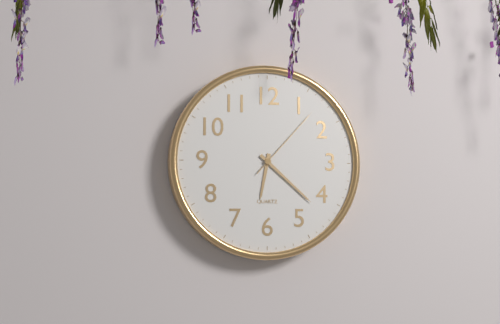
6:22:07
